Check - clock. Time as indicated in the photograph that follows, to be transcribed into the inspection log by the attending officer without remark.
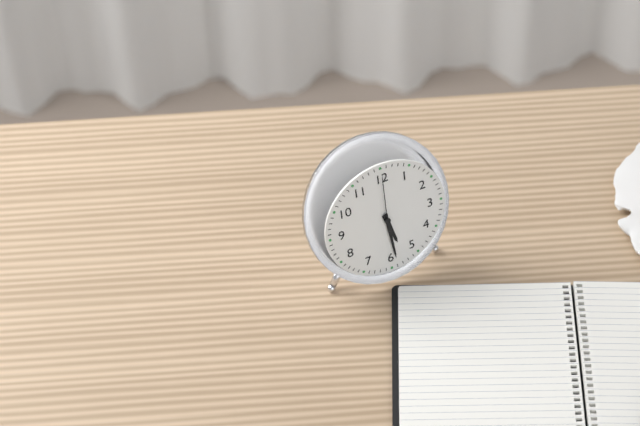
5:29:00
